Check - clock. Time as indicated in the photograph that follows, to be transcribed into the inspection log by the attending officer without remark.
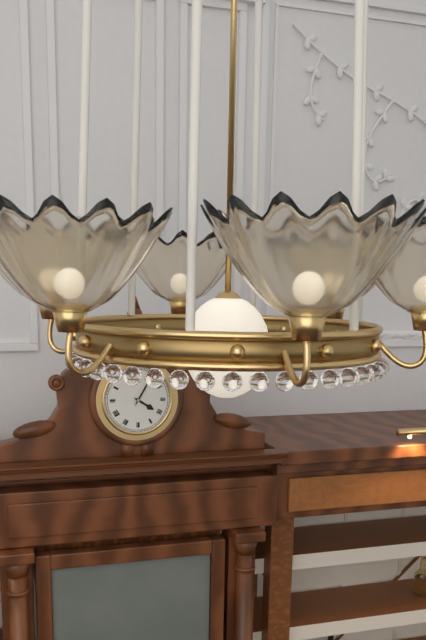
4:05
